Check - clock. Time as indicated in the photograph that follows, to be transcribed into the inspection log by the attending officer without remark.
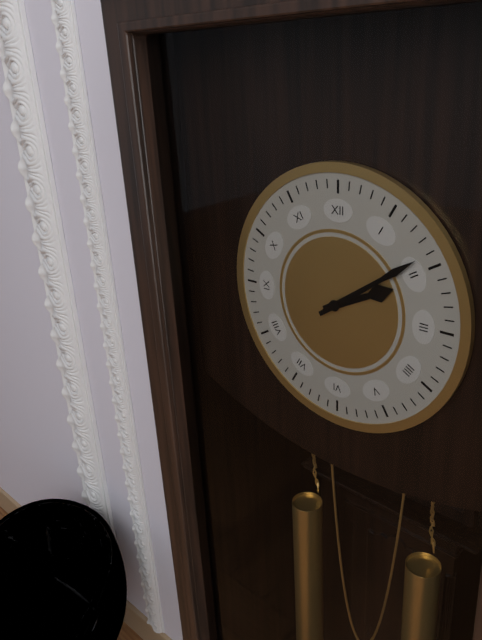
2:09
